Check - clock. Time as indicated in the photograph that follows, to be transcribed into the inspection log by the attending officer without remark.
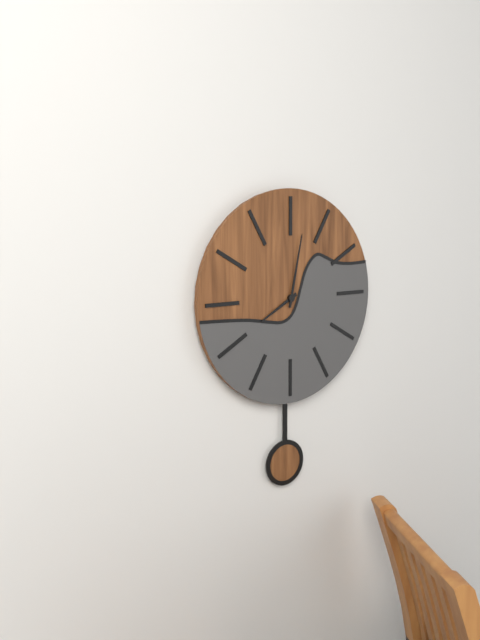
8:02
